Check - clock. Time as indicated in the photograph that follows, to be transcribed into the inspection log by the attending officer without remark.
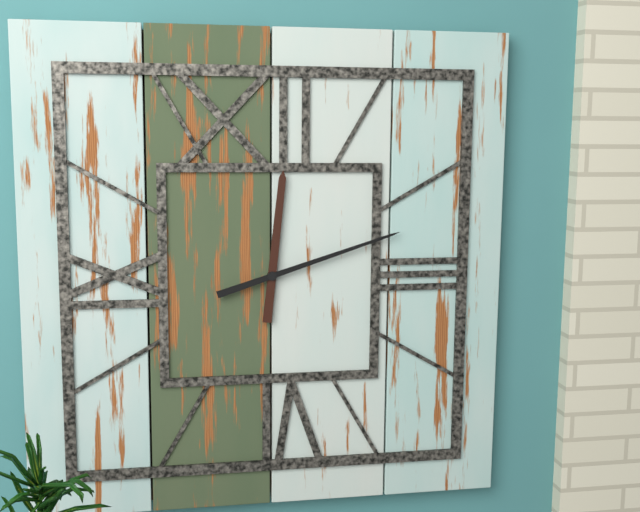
12:12
